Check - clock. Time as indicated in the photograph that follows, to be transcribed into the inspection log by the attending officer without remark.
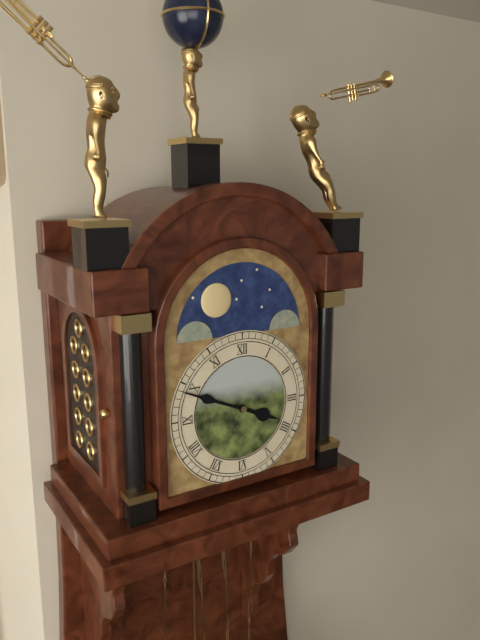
3:49
